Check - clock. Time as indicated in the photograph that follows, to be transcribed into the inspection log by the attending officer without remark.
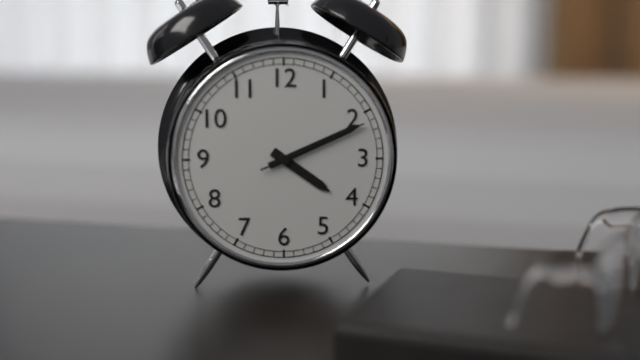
4:11:11
